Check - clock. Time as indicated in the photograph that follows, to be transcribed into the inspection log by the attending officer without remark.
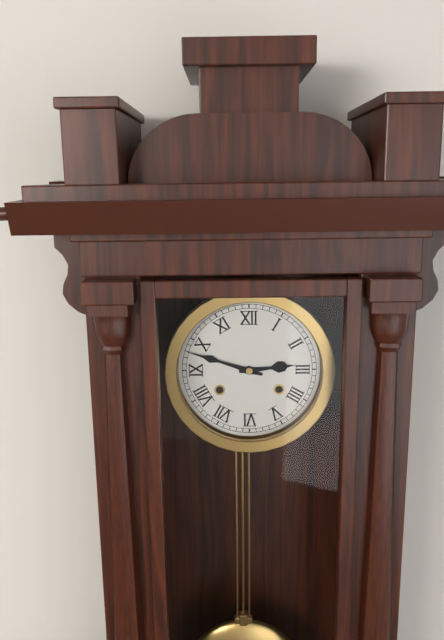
2:48
